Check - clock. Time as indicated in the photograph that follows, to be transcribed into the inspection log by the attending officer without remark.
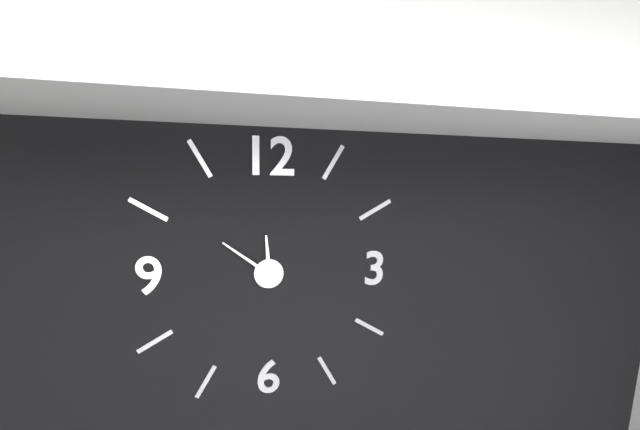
11:51
